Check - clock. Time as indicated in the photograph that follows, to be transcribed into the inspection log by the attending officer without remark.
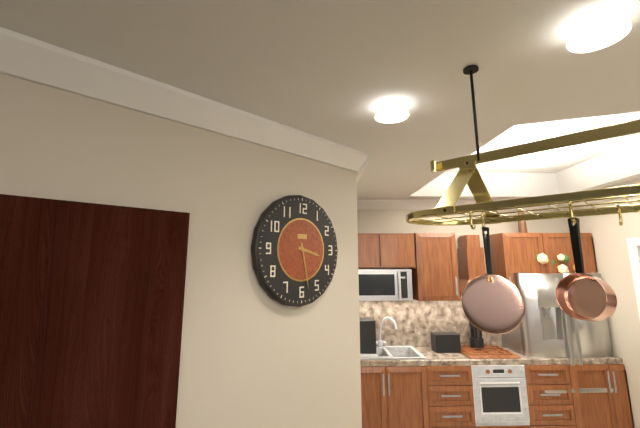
3:28
